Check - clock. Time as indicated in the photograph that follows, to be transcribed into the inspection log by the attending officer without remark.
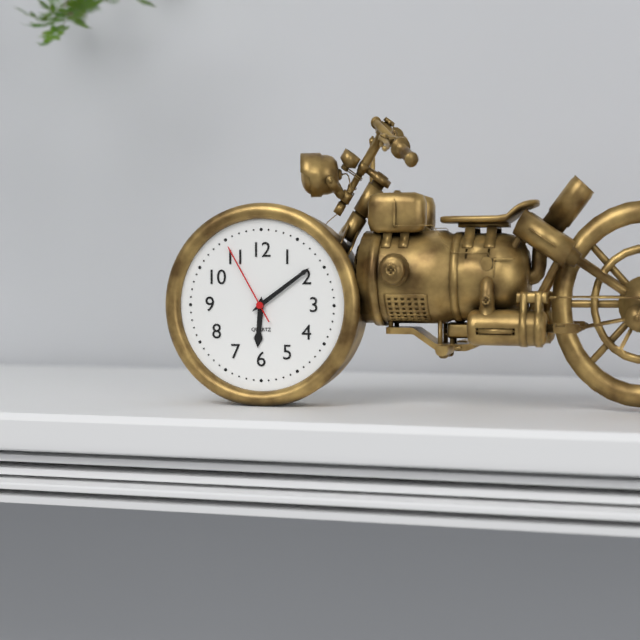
6:09:55
